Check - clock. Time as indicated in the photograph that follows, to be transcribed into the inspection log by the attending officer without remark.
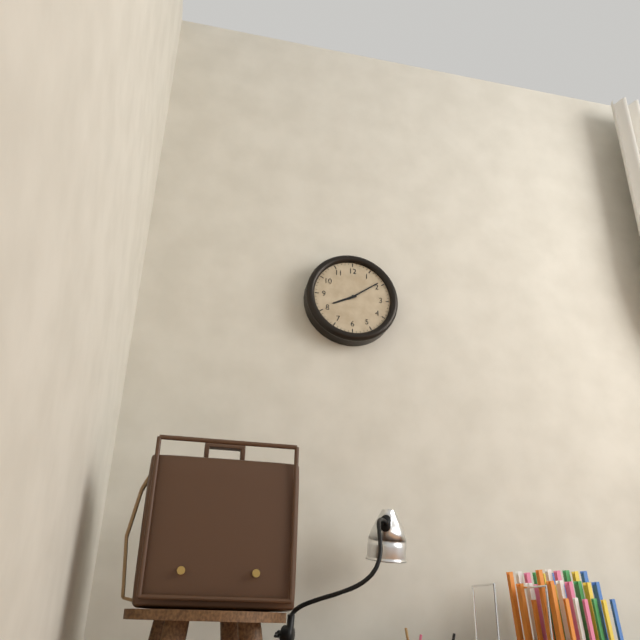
8:09
